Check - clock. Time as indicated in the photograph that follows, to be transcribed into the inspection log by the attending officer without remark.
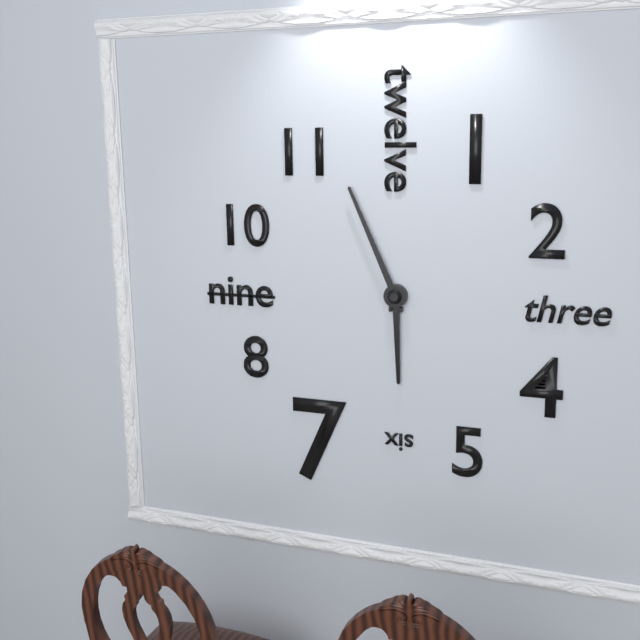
5:56
